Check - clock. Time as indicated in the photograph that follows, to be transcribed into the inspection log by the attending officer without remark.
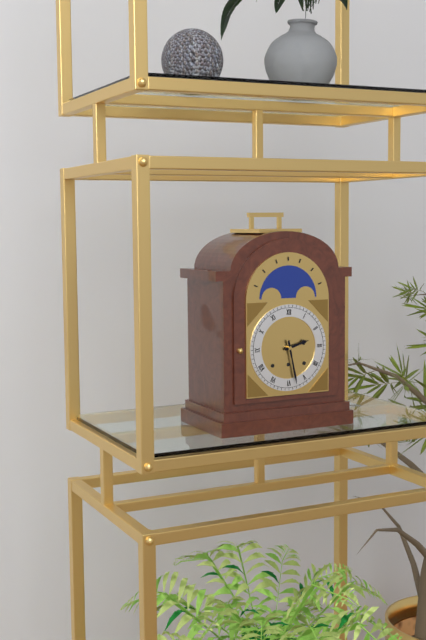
2:28
